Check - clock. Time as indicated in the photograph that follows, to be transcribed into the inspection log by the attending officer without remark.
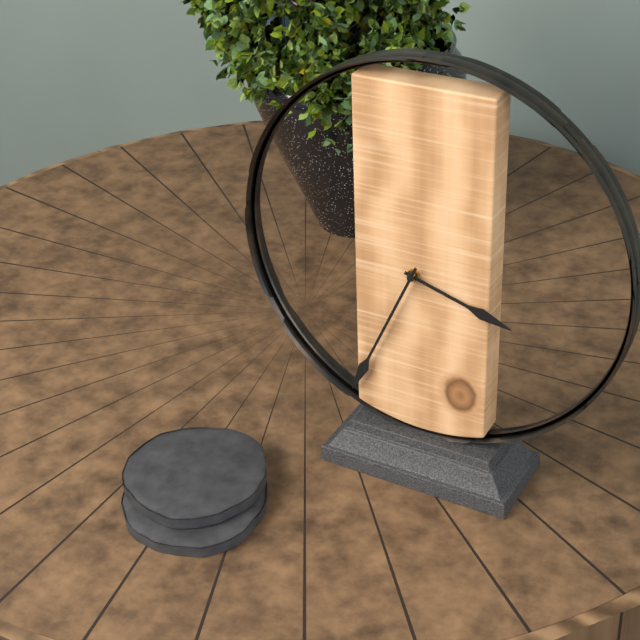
3:34
